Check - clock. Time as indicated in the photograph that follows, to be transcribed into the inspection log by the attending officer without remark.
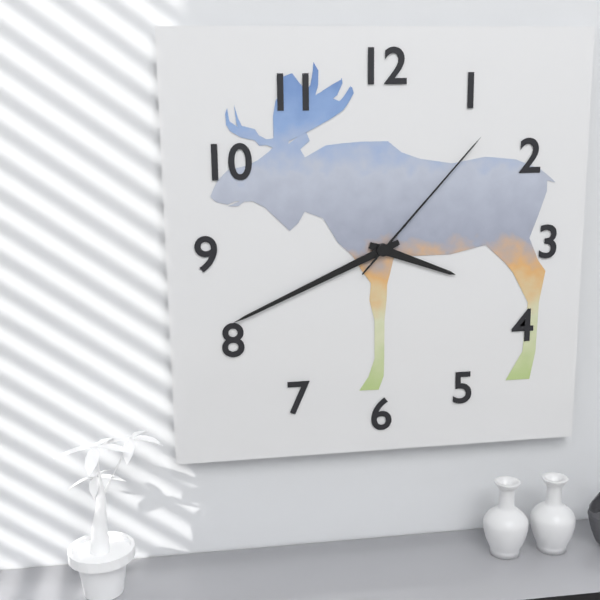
3:41:07
